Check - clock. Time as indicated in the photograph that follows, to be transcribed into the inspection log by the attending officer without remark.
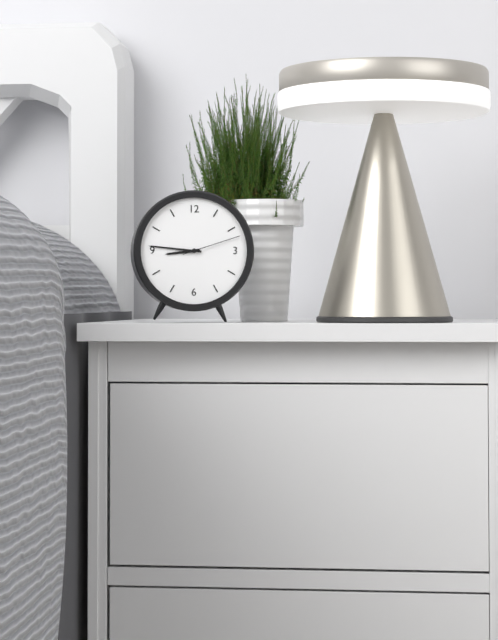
8:46:12
